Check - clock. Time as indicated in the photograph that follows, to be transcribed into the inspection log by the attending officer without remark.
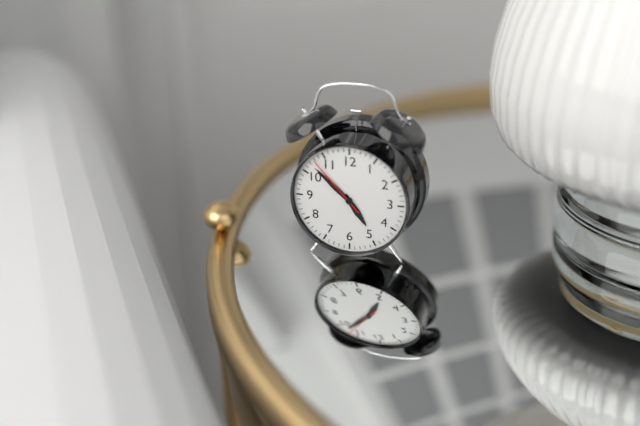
4:52:53
